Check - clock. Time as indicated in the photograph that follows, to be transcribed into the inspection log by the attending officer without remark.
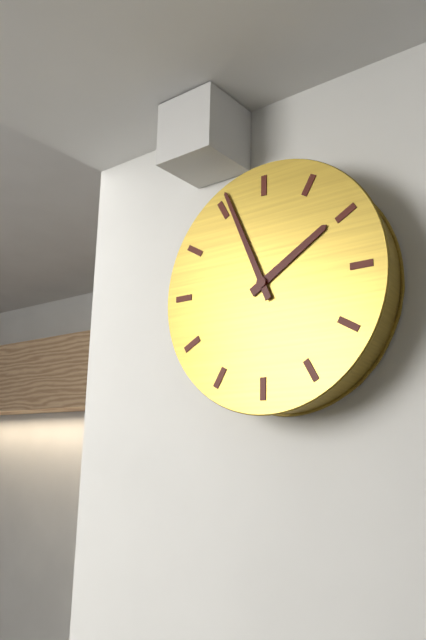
1:56
